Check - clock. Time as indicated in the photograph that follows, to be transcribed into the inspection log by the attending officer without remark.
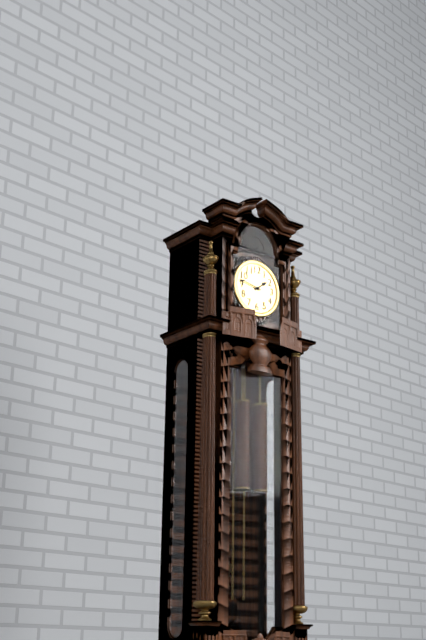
1:47
